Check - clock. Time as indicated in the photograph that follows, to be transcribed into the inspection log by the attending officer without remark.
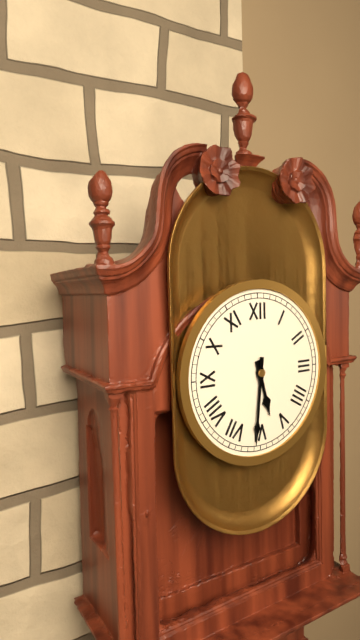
5:31
